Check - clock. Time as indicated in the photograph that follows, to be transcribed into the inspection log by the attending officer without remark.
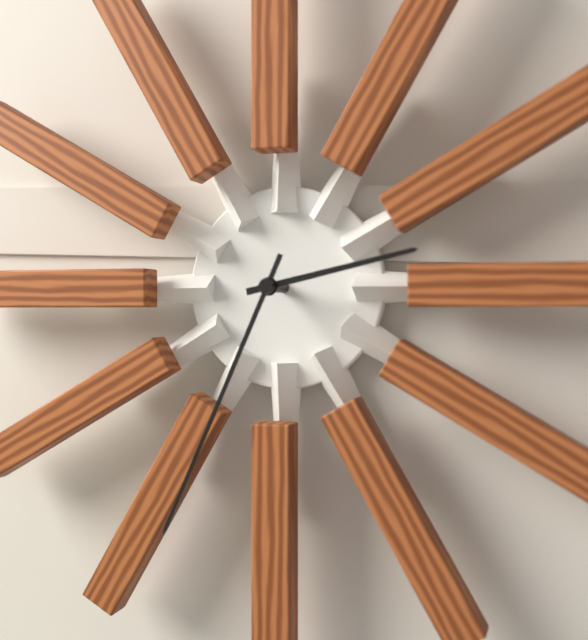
2:34
